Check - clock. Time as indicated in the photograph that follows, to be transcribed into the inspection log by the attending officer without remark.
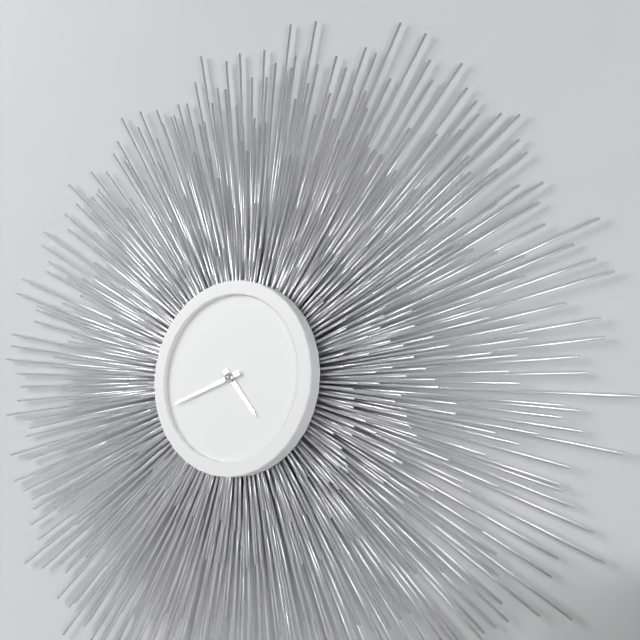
4:42
